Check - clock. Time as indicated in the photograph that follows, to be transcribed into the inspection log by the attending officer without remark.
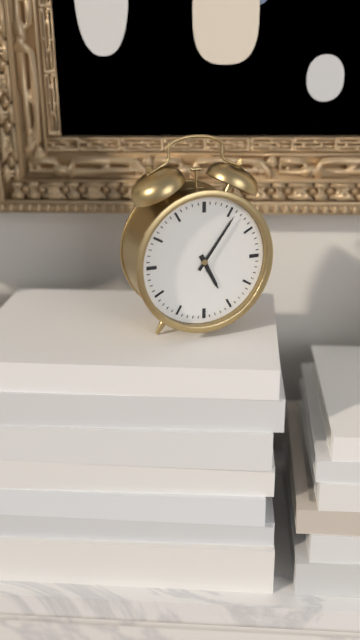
5:06
